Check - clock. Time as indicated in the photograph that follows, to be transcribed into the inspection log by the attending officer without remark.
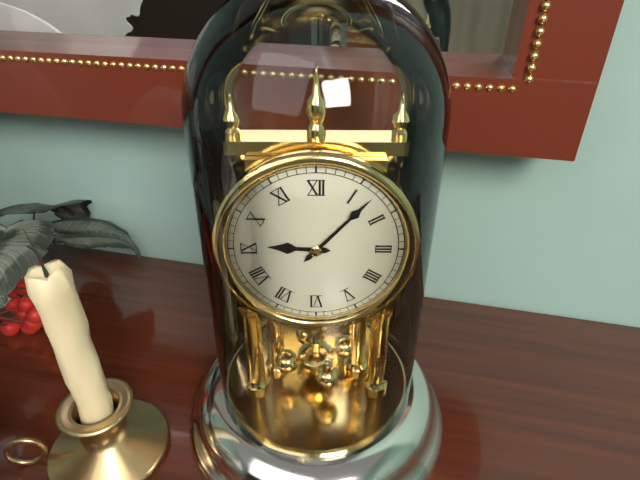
9:07
